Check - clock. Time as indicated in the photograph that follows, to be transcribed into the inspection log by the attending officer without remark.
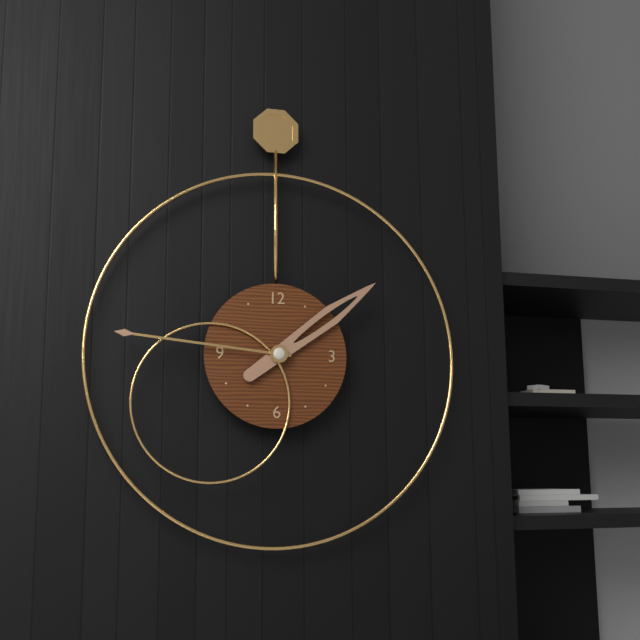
1:46
